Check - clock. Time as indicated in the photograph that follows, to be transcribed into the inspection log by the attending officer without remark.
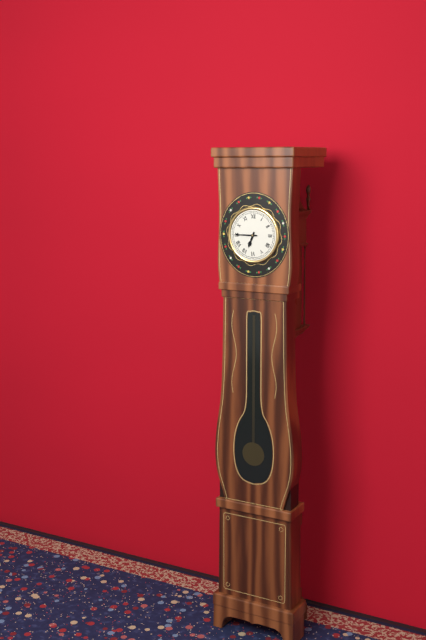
6:45
